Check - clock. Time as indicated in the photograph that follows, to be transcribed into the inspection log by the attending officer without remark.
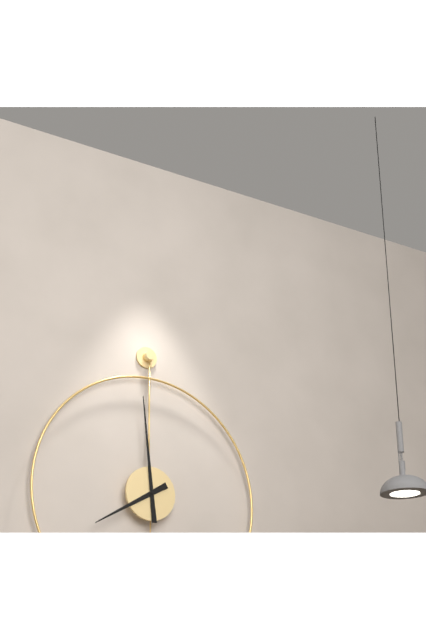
7:59
